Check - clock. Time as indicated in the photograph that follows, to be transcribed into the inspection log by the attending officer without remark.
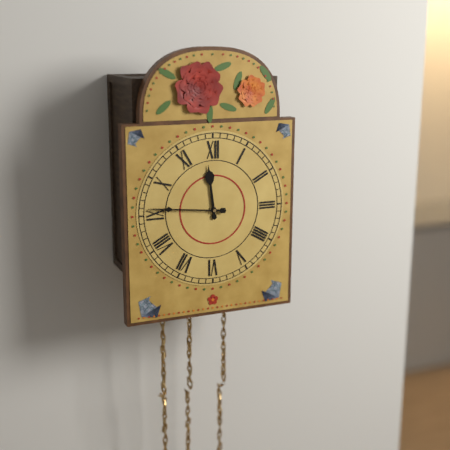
11:46
